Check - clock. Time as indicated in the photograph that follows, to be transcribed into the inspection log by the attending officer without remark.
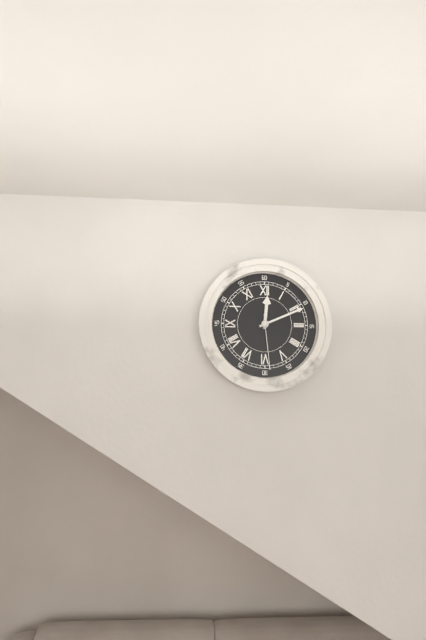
12:11:29
